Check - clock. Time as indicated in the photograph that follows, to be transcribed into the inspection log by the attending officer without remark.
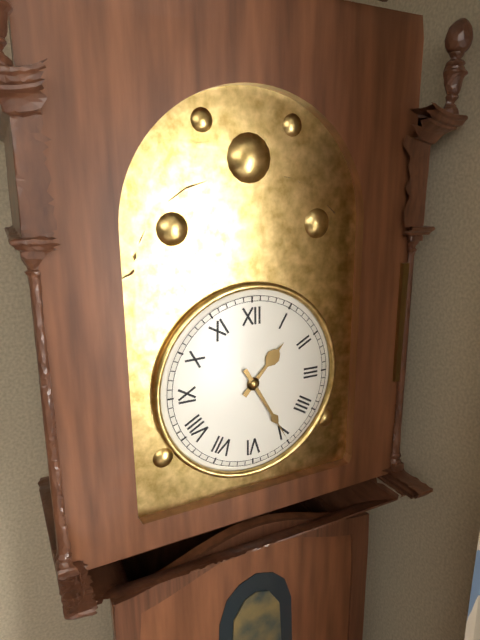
1:25
